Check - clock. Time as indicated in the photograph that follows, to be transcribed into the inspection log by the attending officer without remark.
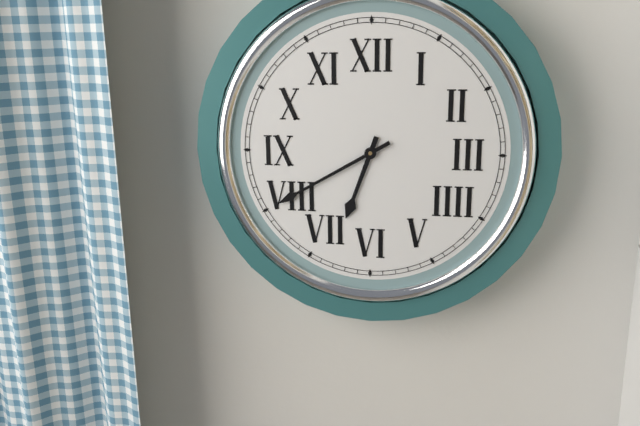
6:40
